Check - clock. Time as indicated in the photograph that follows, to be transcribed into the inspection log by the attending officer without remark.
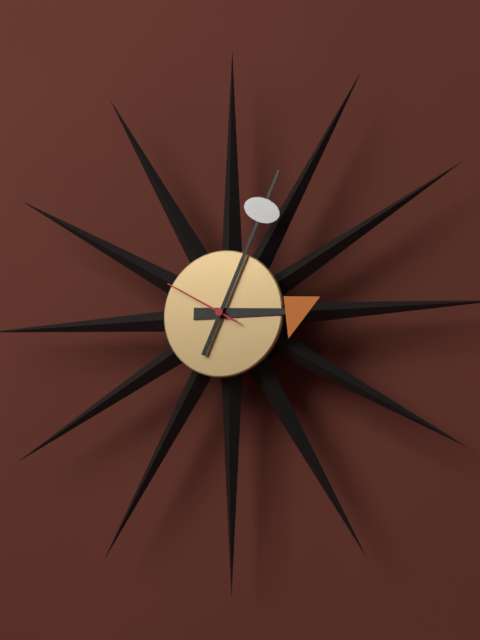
3:04:50
